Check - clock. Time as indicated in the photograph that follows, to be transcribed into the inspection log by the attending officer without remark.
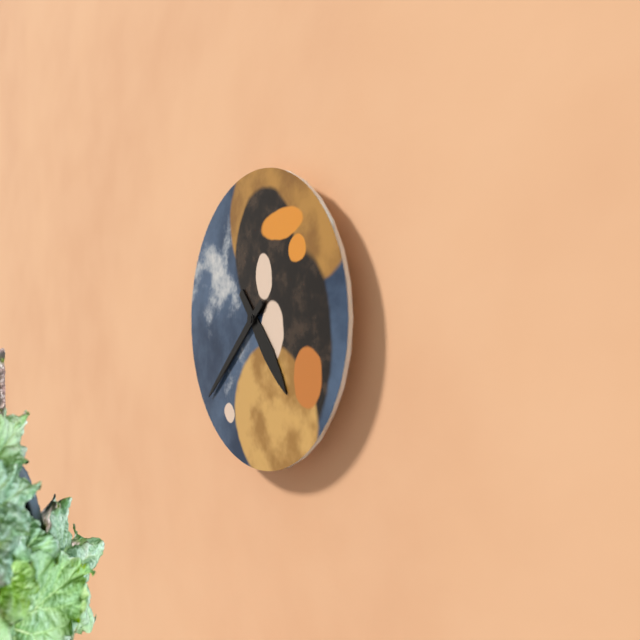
4:38
